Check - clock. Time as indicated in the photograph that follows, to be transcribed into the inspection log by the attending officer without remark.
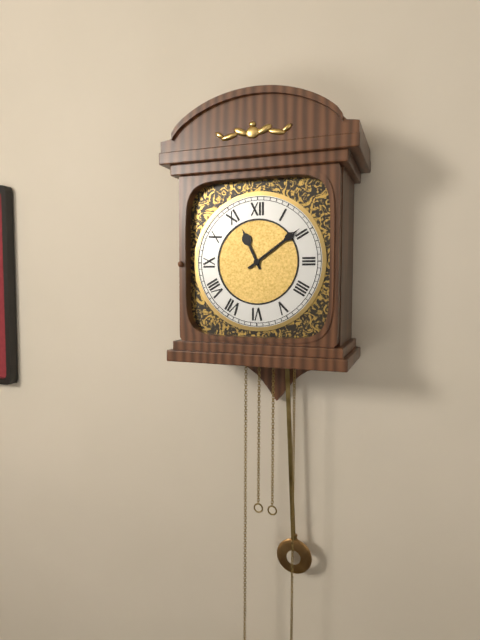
11:09
